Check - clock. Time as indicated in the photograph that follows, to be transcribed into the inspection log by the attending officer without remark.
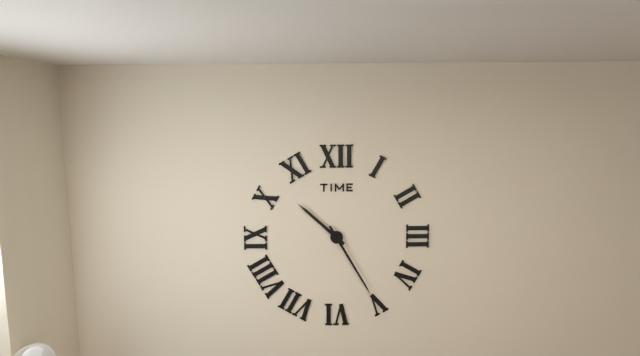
10:25
